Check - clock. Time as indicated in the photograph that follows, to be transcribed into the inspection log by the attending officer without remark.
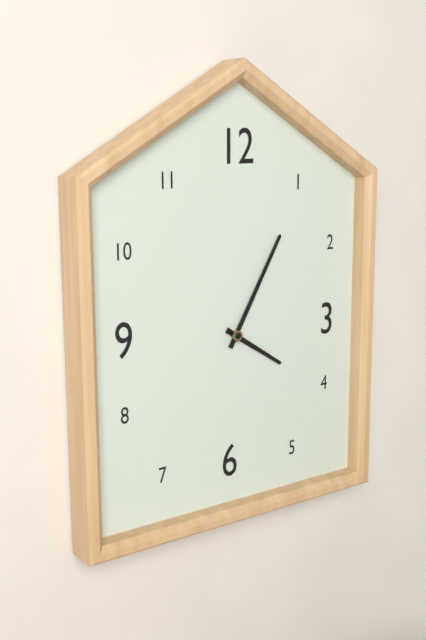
4:05
